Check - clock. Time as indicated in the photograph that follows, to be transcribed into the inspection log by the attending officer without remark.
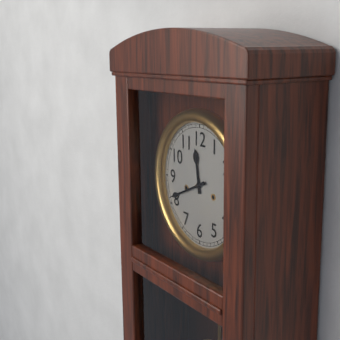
11:41
